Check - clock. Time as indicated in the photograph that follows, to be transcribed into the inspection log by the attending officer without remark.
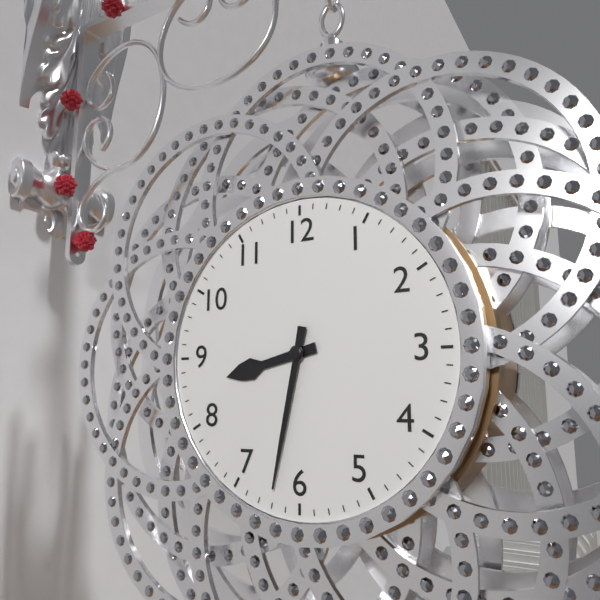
8:32
